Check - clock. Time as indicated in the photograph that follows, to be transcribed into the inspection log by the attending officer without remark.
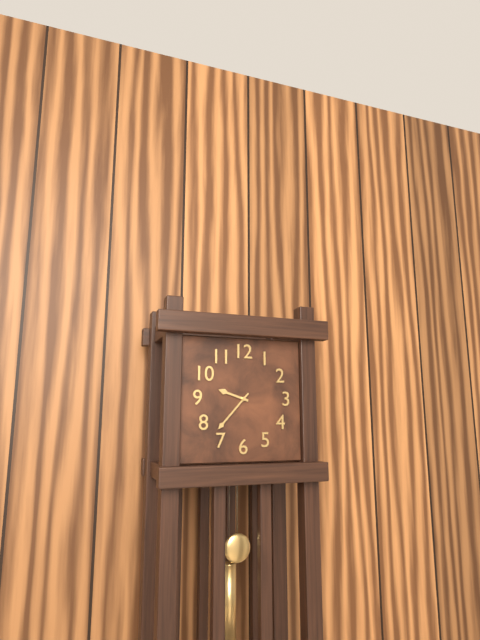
9:37
